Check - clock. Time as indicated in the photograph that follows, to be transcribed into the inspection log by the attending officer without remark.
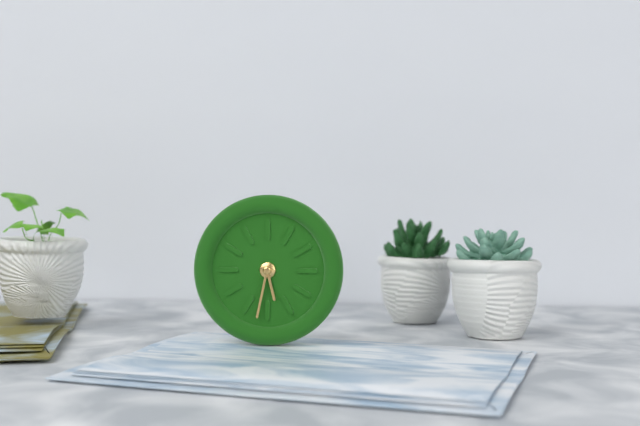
5:32
